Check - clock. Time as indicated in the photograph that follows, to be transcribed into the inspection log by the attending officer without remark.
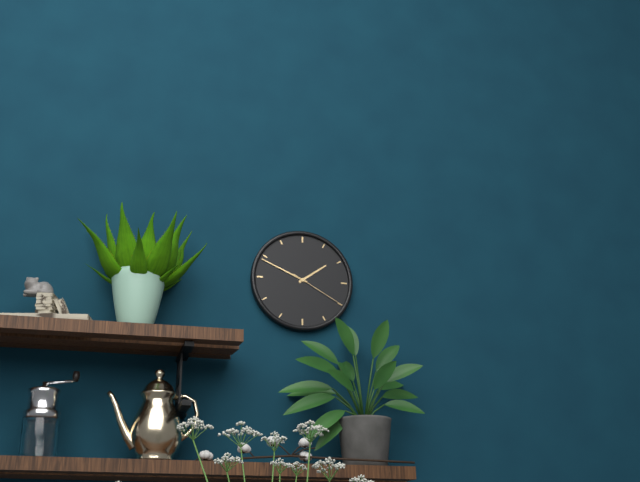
1:49:20
